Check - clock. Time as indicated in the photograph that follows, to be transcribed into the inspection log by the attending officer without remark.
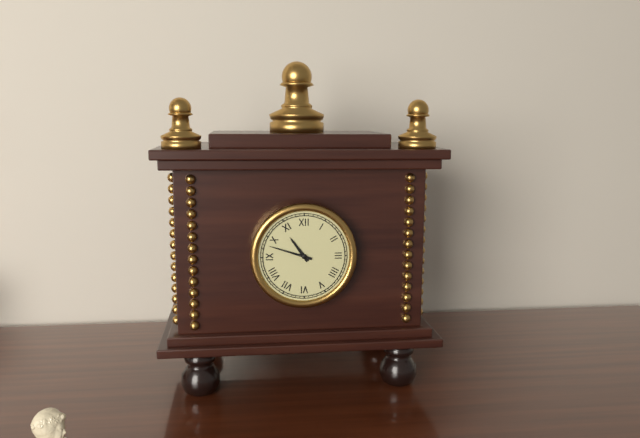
10:48
